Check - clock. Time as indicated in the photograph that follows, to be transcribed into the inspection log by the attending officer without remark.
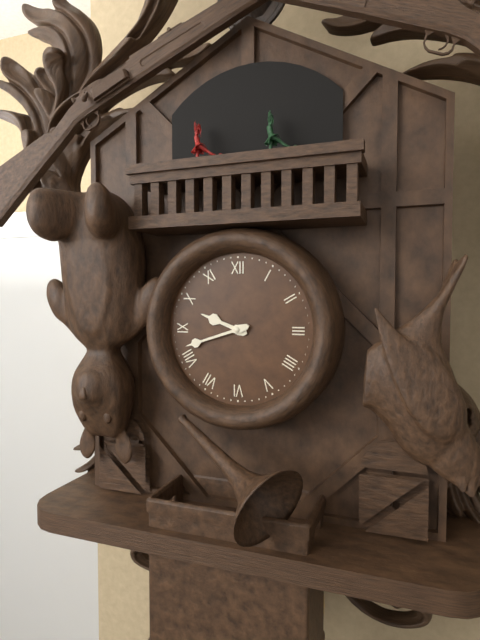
9:42
